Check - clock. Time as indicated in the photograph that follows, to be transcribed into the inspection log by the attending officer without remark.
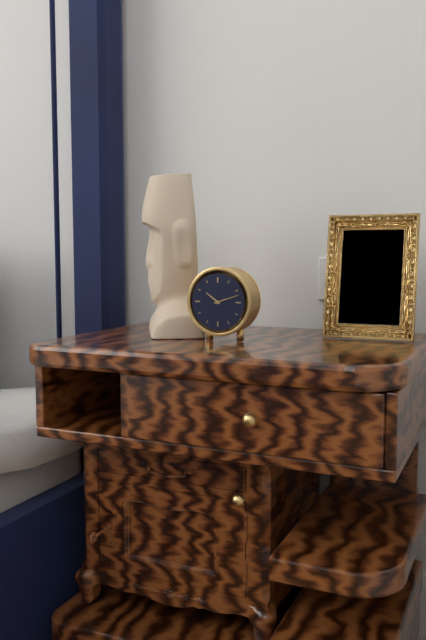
10:12
